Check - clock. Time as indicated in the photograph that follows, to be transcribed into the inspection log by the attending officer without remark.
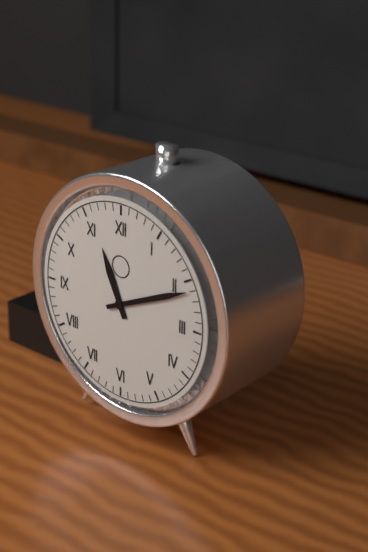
11:11
